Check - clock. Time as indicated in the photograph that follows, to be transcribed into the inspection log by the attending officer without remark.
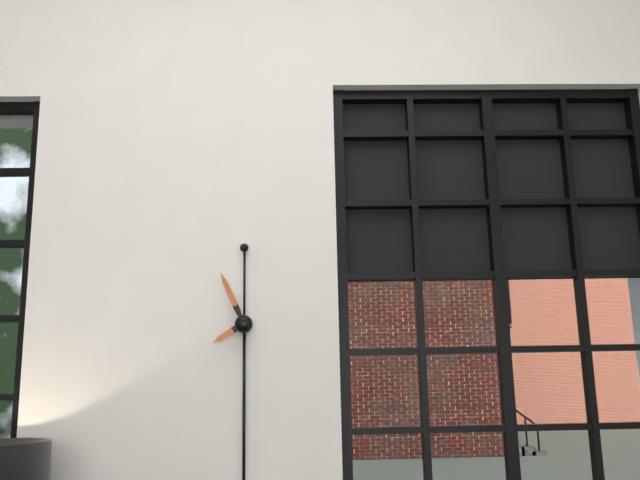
7:56
